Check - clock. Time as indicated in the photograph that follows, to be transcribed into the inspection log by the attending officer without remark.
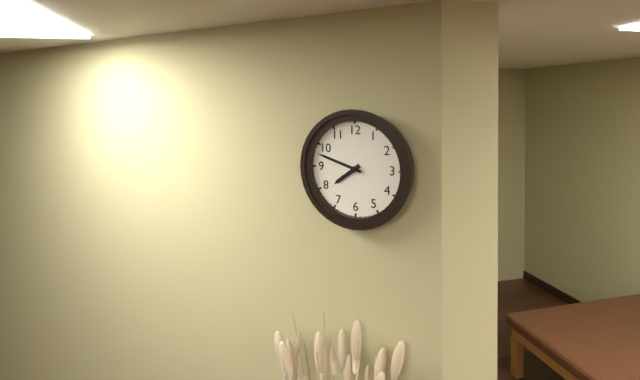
7:48
